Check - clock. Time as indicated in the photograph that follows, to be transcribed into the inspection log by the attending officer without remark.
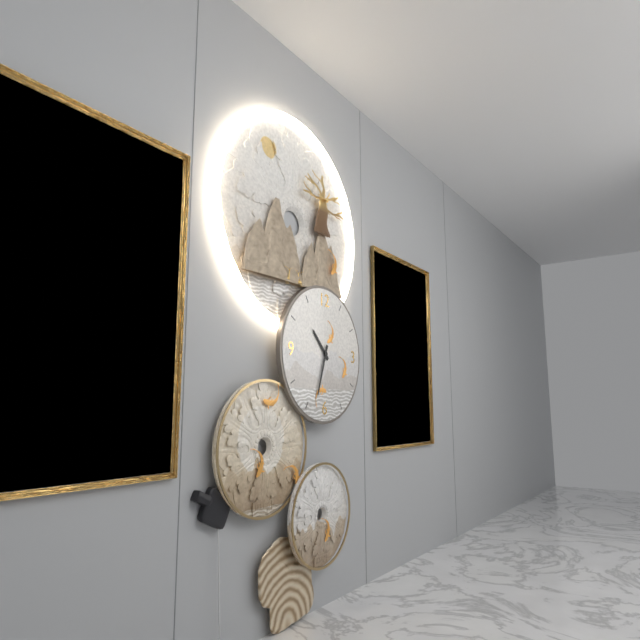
10:33
